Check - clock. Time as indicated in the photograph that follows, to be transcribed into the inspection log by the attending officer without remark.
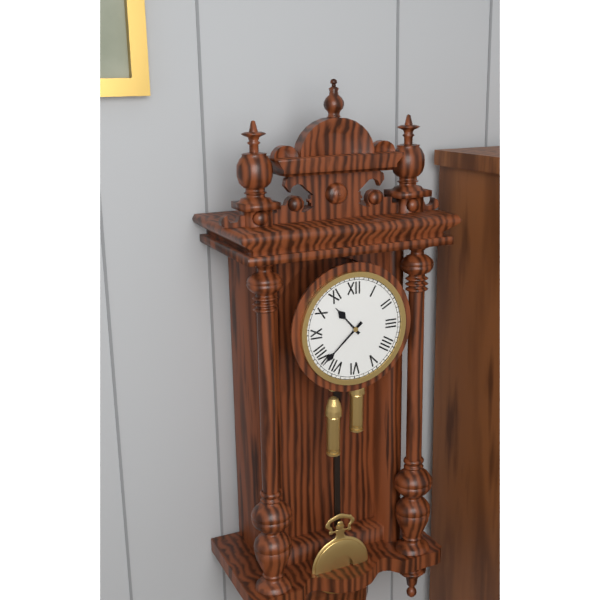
10:38
